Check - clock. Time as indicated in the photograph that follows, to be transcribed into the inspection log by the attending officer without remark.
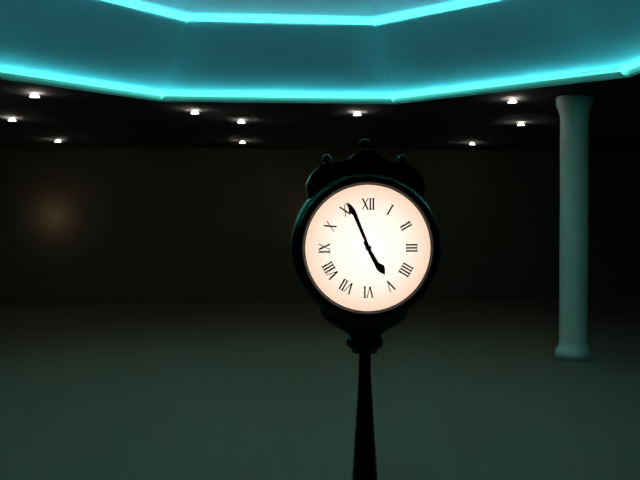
4:56
